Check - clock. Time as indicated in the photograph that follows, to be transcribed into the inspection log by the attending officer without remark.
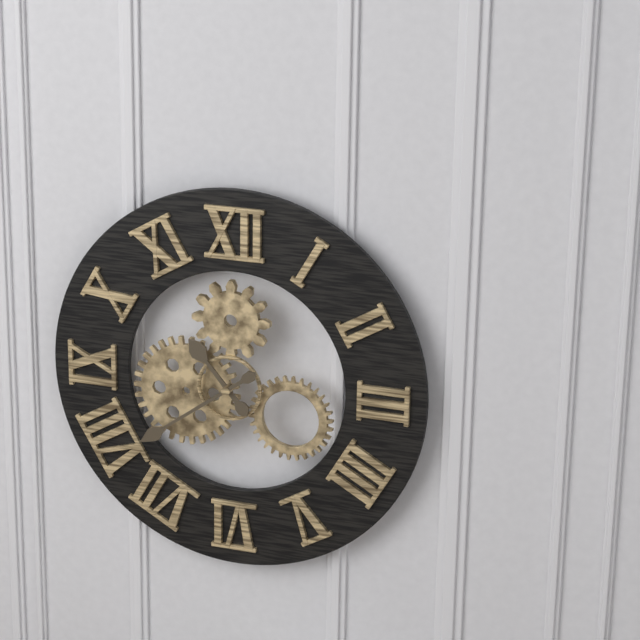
10:39
